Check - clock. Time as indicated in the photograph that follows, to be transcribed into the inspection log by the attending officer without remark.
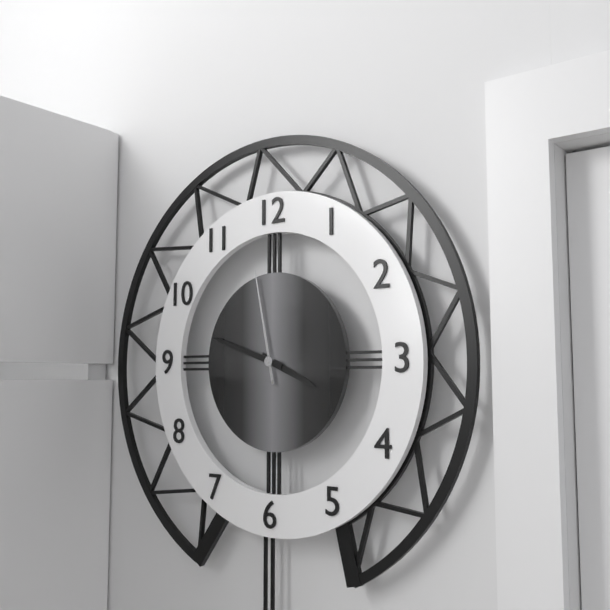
3:48:58
